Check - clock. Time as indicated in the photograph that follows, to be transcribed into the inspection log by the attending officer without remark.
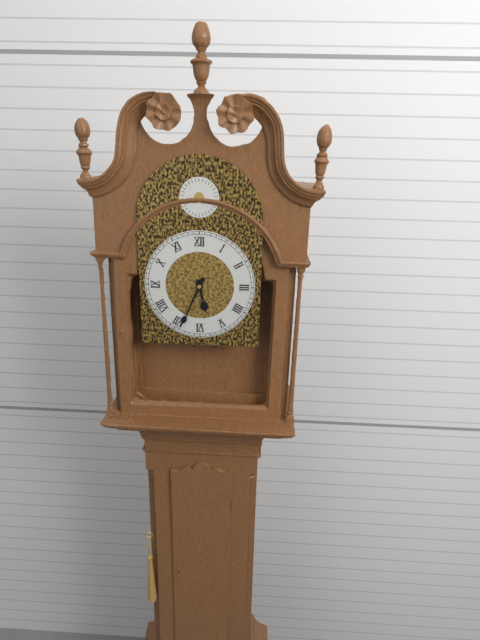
5:34
